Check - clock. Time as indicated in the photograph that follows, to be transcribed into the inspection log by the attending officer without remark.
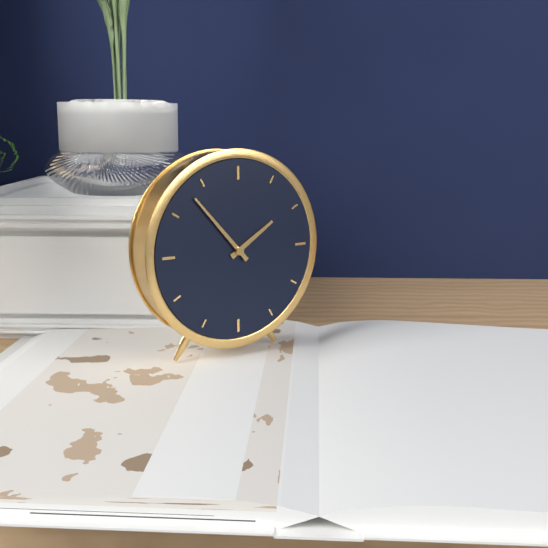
1:53
